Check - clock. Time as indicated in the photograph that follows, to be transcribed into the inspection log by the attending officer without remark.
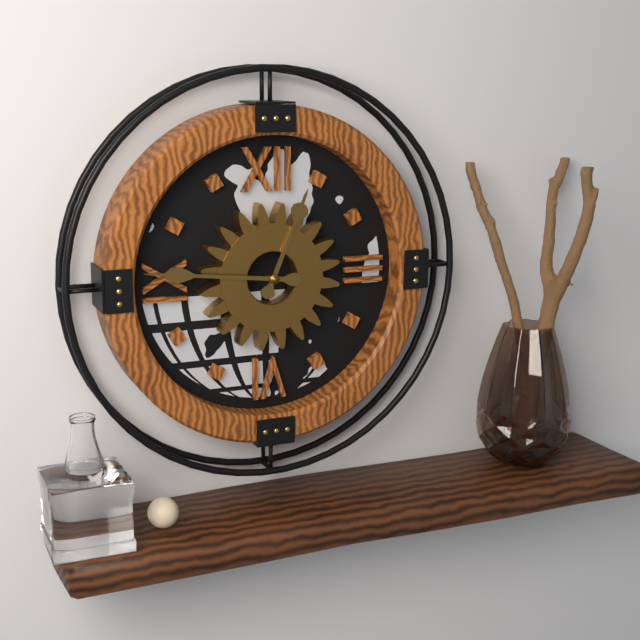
12:46
